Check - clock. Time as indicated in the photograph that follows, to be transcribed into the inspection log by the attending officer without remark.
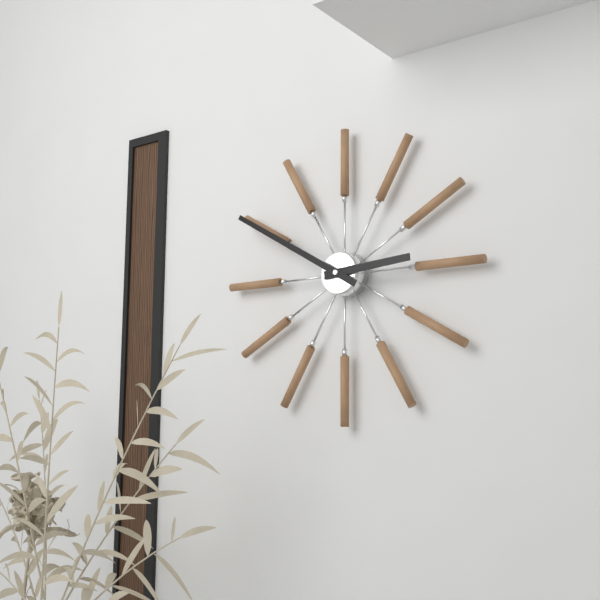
2:50
